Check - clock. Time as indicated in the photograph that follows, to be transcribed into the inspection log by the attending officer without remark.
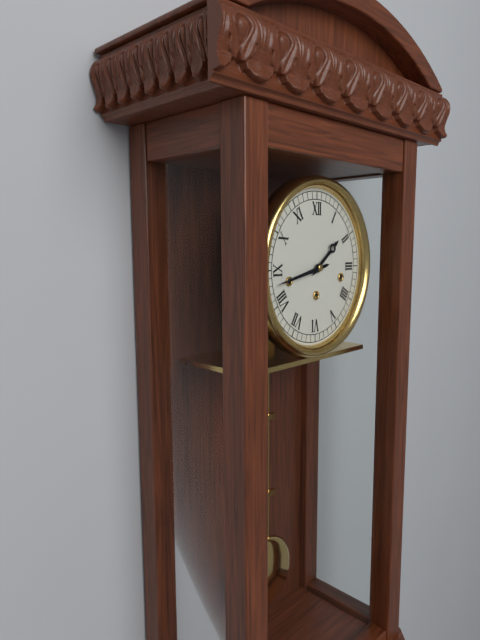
1:43
